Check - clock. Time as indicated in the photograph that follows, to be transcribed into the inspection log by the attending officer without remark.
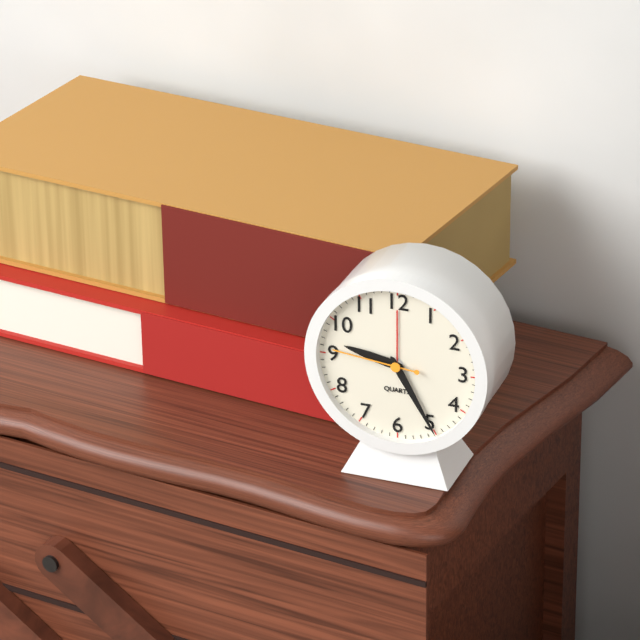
9:25:46
